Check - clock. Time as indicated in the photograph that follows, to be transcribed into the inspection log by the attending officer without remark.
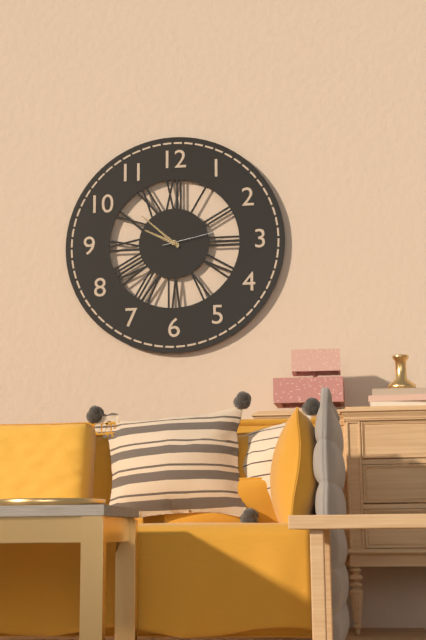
9:52:13
